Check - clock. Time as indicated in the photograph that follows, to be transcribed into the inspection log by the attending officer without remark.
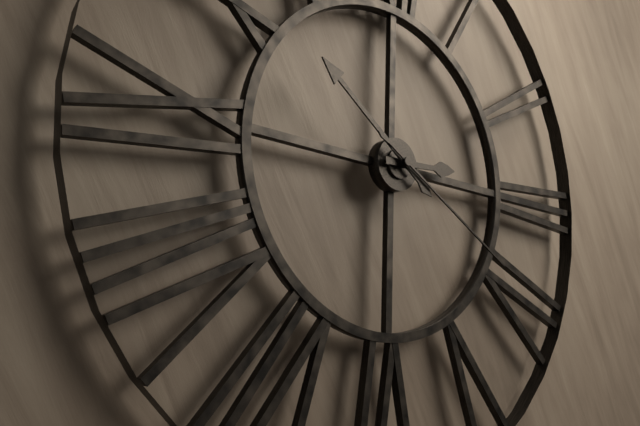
2:51:20
